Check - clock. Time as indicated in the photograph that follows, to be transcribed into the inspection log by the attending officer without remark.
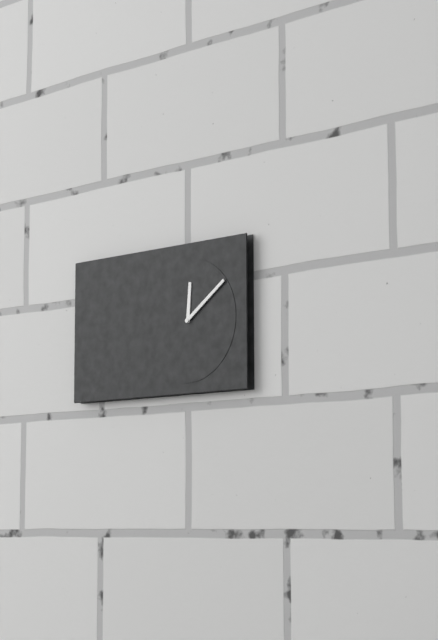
12:09
